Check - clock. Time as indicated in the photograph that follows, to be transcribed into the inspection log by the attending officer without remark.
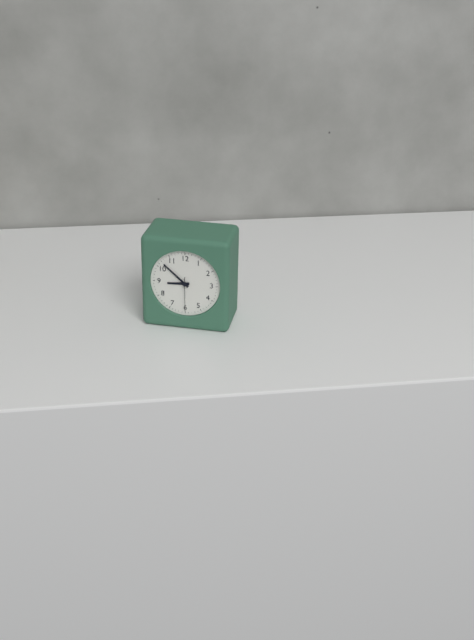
8:52
